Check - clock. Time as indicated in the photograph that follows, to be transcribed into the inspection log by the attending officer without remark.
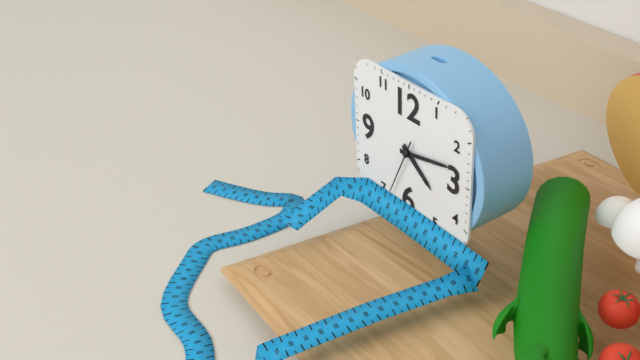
4:13:34
